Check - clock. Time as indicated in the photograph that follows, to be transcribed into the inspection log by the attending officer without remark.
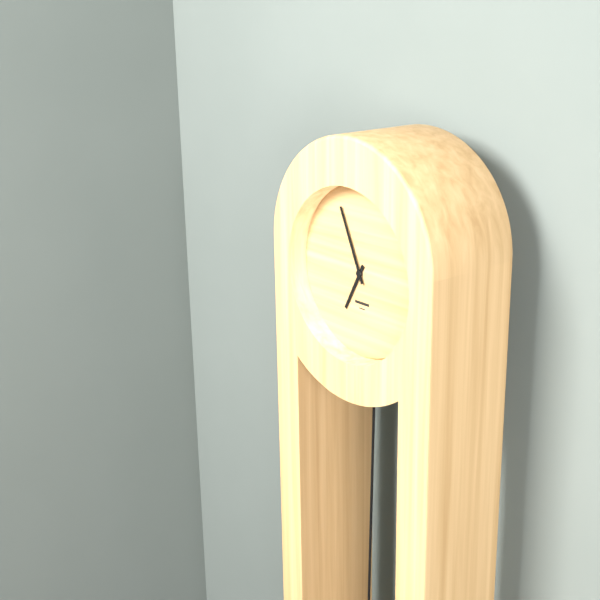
6:56
